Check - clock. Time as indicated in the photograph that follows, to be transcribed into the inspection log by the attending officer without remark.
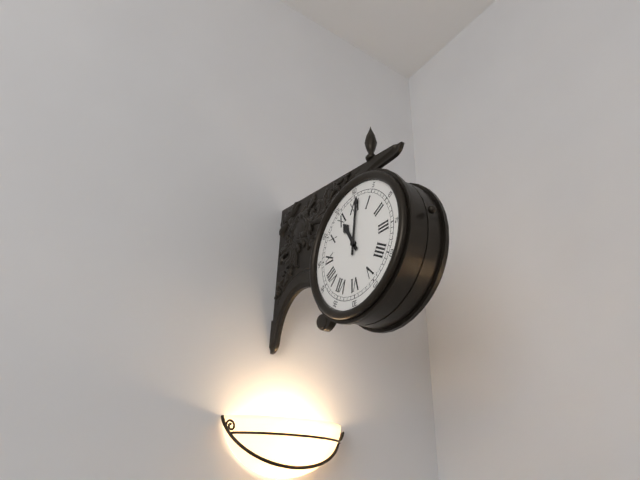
11:01
